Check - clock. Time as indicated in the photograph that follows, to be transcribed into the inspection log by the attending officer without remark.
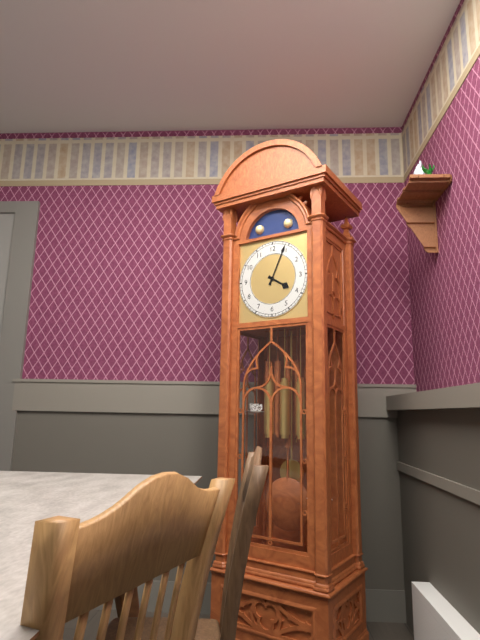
4:04
